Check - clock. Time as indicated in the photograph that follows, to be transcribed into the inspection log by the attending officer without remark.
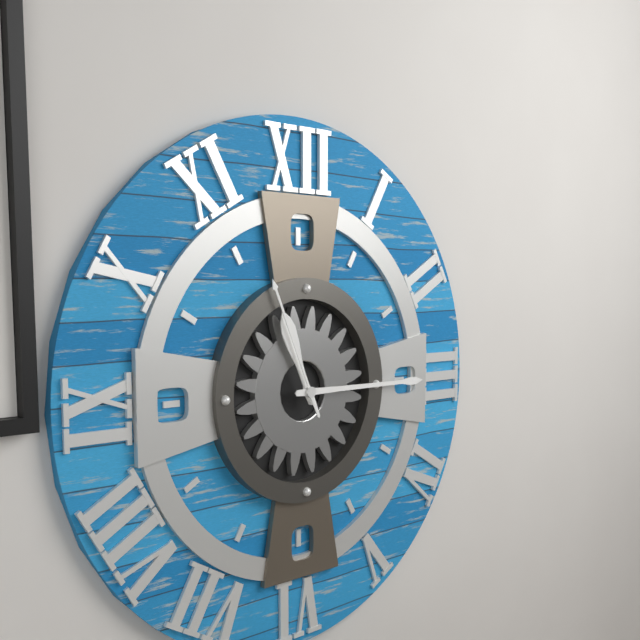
11:15:56
